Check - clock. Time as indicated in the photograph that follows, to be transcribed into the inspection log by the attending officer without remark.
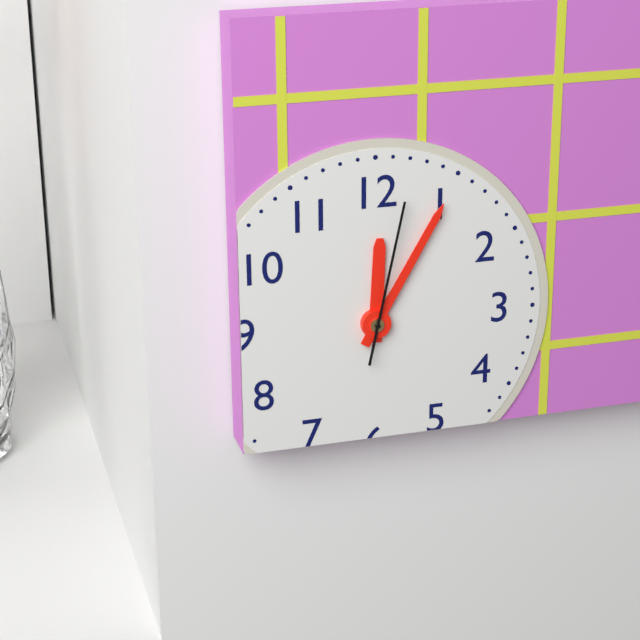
12:05:02
